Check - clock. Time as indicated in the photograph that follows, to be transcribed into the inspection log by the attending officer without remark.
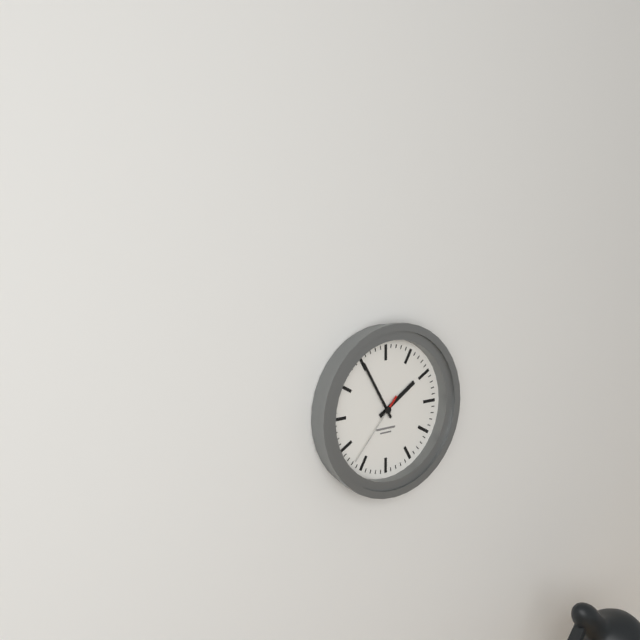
1:55:37
